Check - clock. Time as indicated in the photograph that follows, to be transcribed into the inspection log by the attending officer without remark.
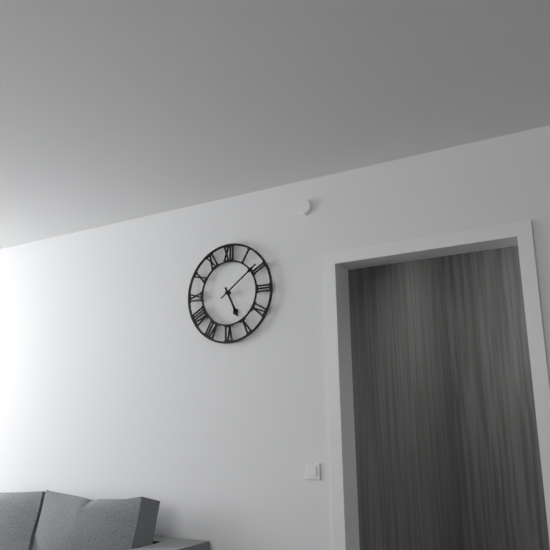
5:09
